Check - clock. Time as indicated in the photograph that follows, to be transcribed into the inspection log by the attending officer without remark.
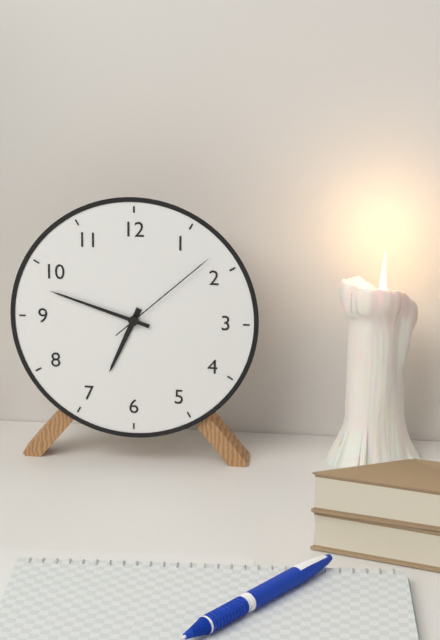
6:48:08
